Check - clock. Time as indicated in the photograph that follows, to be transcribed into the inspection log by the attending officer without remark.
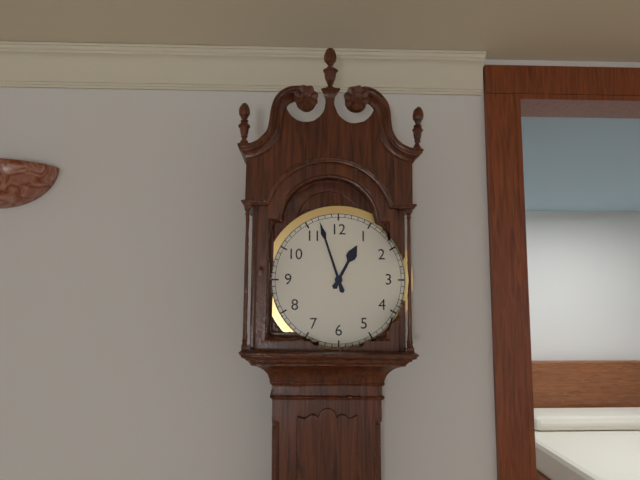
12:57
